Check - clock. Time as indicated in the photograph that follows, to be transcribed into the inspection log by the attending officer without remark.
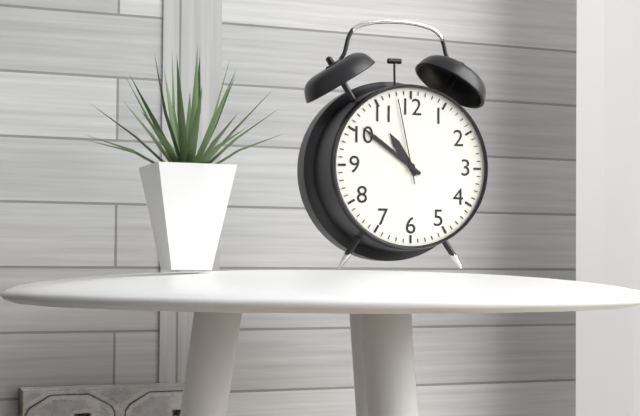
10:51:58
